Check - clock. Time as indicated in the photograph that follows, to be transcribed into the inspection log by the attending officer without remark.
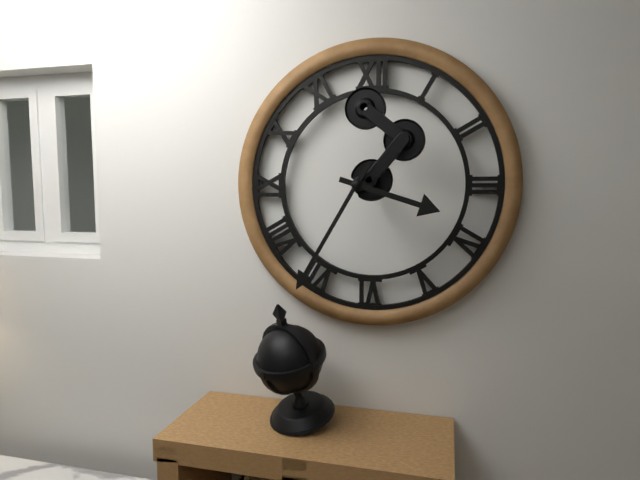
3:35
